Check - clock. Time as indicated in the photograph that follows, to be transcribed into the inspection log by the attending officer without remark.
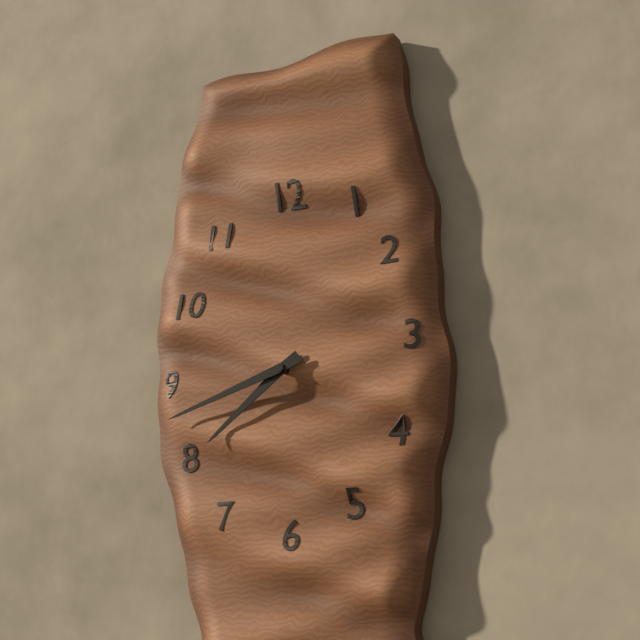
7:42
